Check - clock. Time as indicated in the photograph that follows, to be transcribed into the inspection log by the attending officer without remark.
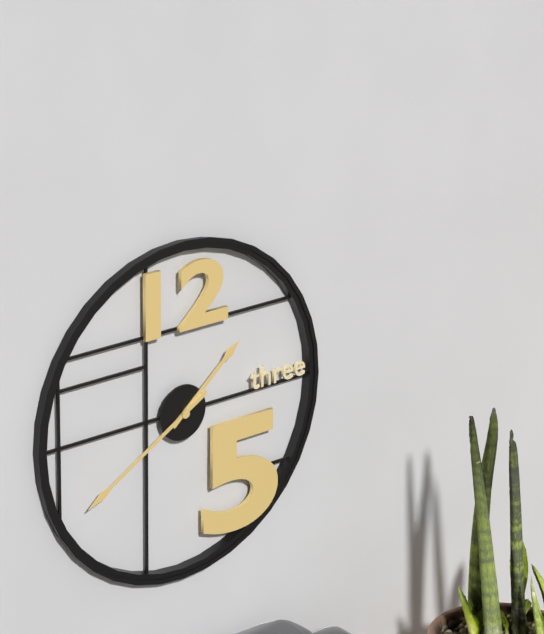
1:40
